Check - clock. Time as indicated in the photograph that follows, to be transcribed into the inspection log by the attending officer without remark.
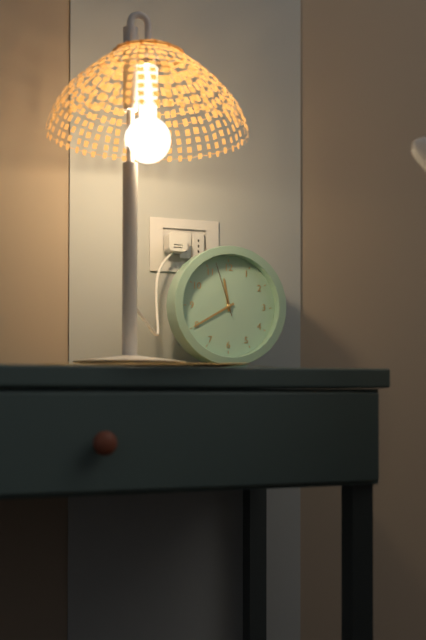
11:40:57
